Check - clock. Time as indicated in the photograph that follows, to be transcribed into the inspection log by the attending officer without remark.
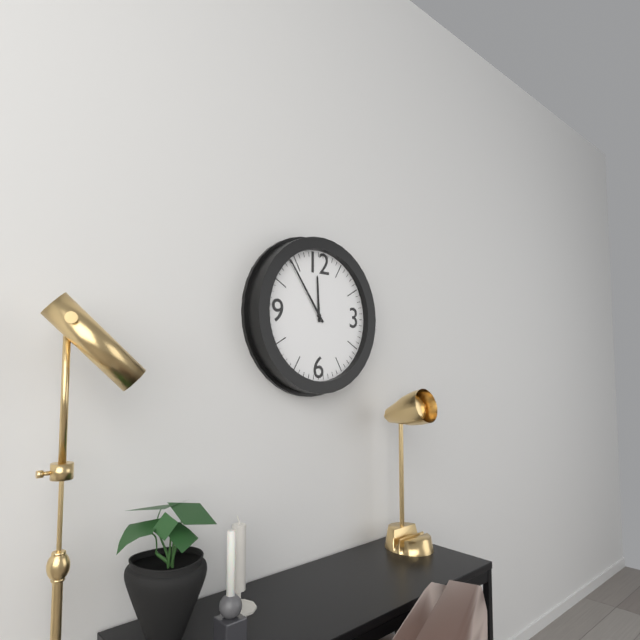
11:54
